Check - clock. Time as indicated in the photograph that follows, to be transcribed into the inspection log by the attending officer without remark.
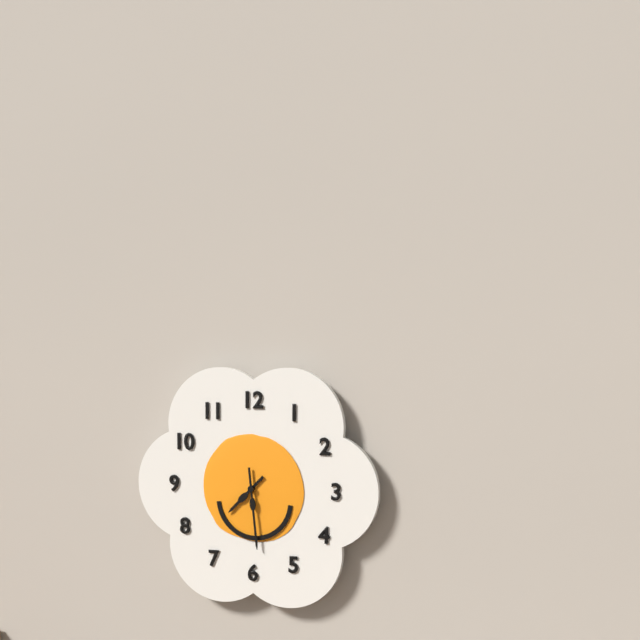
7:29
